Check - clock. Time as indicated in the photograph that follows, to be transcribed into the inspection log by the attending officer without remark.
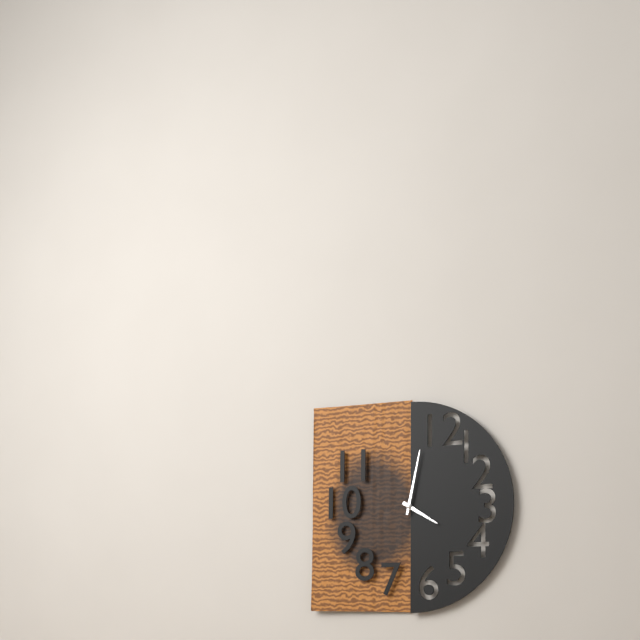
4:02
